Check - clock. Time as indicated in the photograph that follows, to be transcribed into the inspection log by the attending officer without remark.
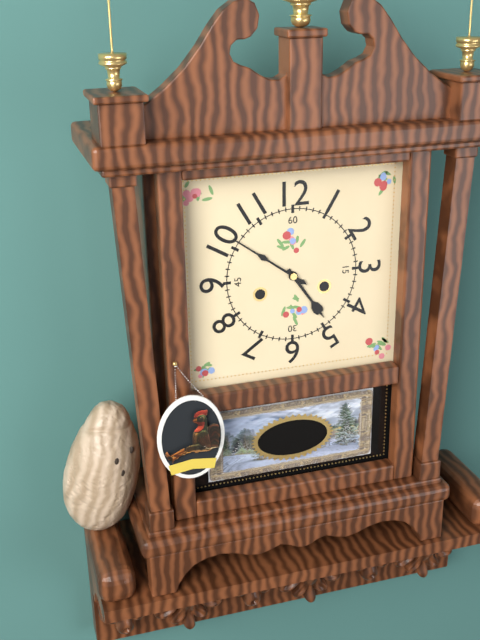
4:51
